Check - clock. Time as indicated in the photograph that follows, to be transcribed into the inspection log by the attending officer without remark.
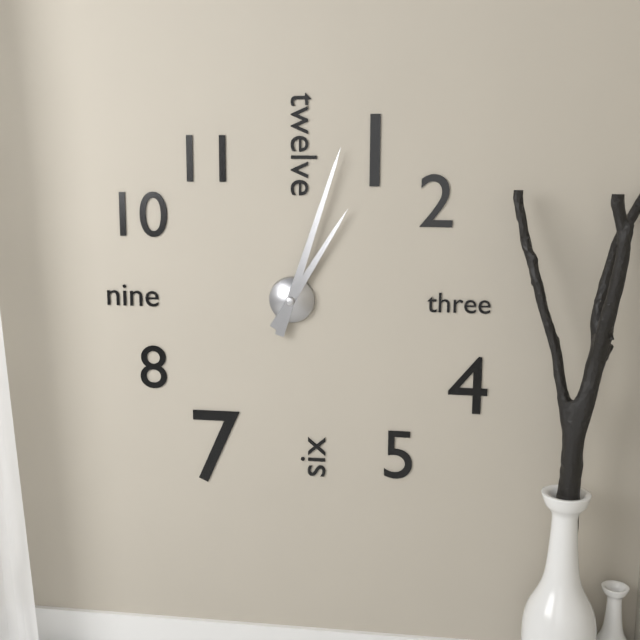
1:03
